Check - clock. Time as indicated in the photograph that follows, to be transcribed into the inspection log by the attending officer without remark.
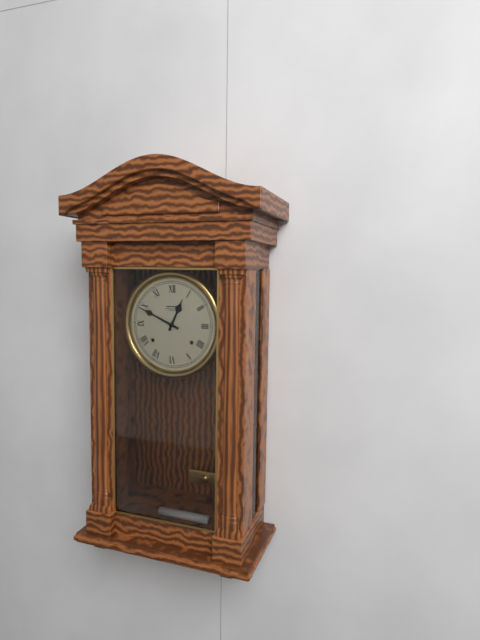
12:49
